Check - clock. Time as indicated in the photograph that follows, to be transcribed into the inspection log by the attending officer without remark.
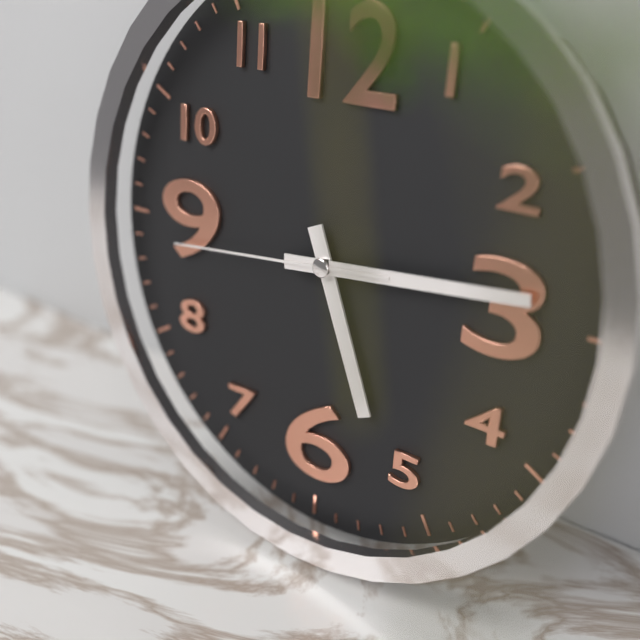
5:14:44
